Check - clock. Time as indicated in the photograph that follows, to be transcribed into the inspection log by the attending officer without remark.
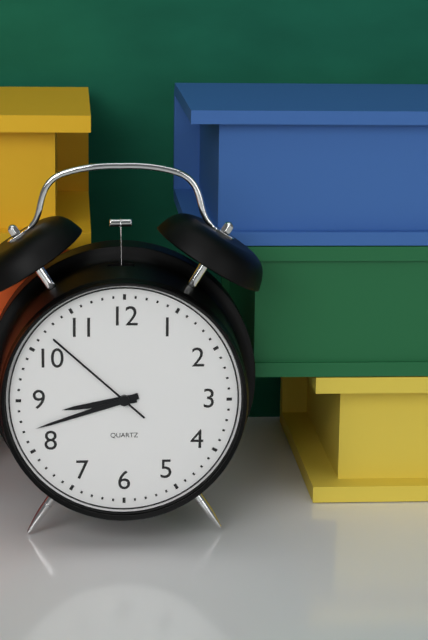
8:42:52
